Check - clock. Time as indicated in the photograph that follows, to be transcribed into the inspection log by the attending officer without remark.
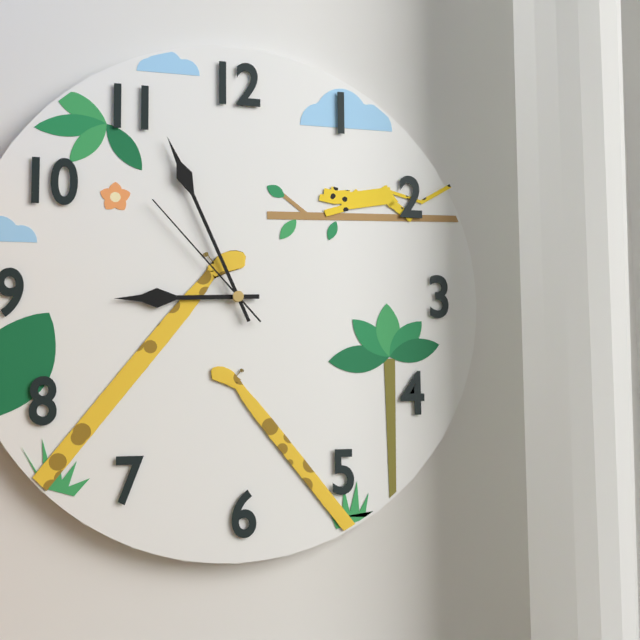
8:56:53
